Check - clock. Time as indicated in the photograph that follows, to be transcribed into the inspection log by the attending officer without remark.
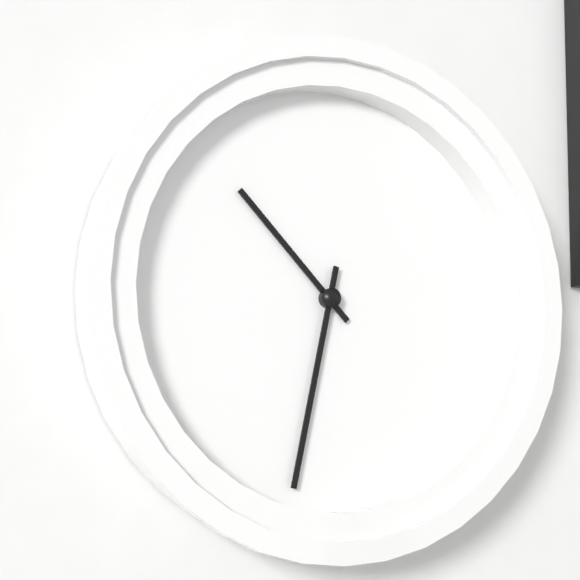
10:32
